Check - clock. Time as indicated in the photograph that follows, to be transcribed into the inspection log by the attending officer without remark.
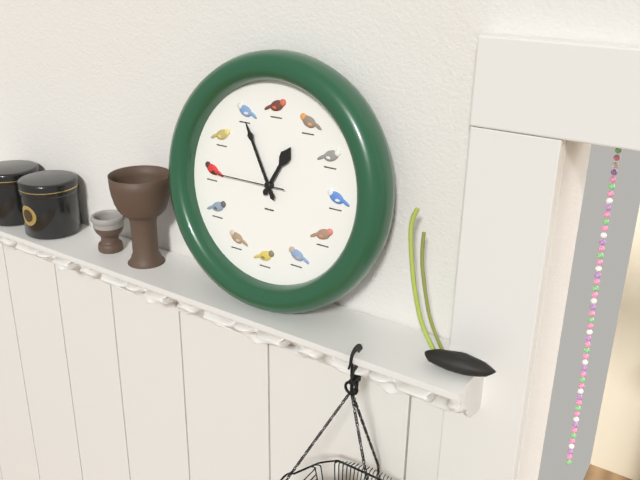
12:55:45
